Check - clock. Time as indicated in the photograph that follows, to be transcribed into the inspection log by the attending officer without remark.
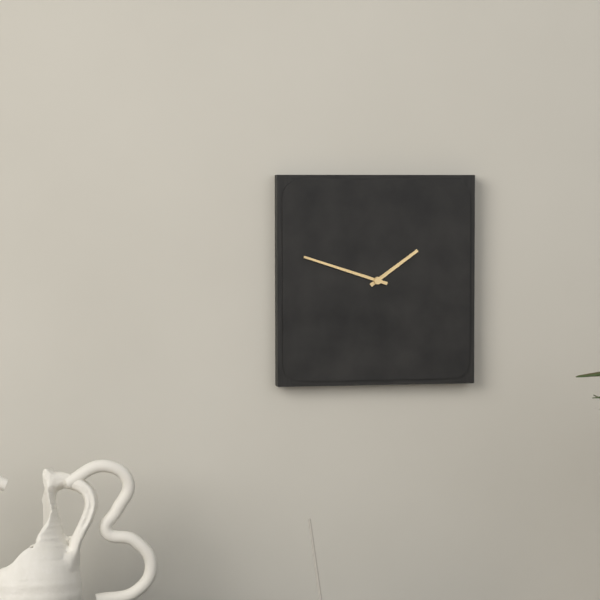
1:48
